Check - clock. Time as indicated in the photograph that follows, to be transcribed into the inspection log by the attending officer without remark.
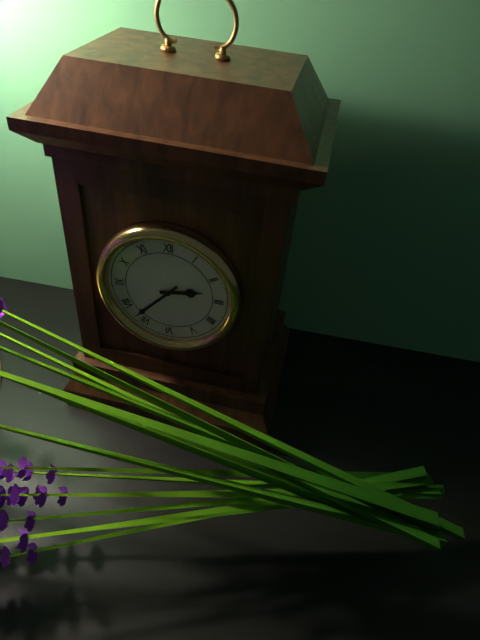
2:37
